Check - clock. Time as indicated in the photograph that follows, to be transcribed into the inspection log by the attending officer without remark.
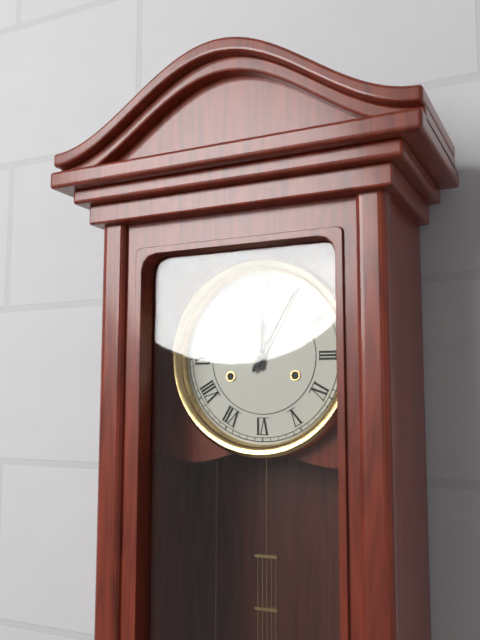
12:05
